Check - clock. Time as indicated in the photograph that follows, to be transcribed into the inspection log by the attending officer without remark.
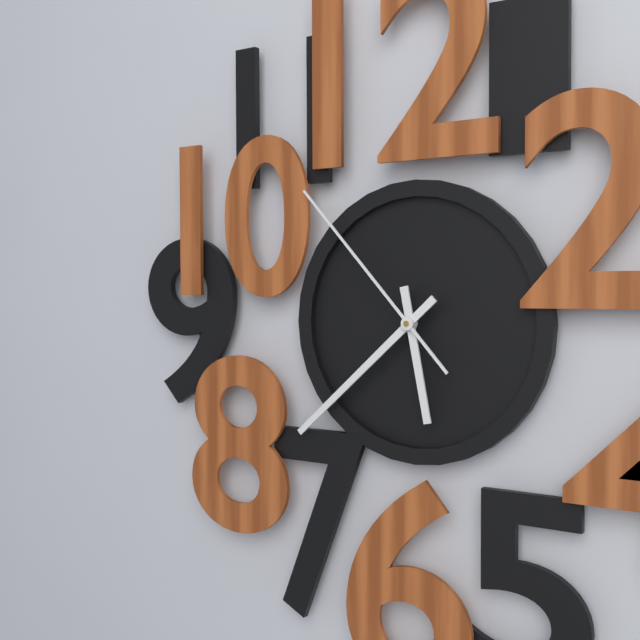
5:38:53
